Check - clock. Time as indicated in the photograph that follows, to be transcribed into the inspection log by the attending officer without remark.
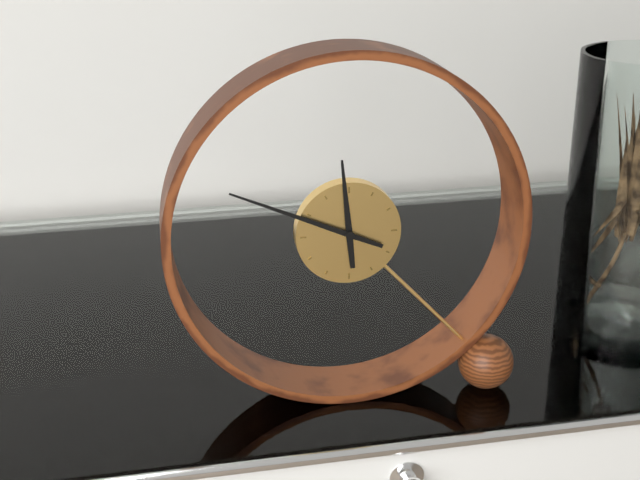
11:49
